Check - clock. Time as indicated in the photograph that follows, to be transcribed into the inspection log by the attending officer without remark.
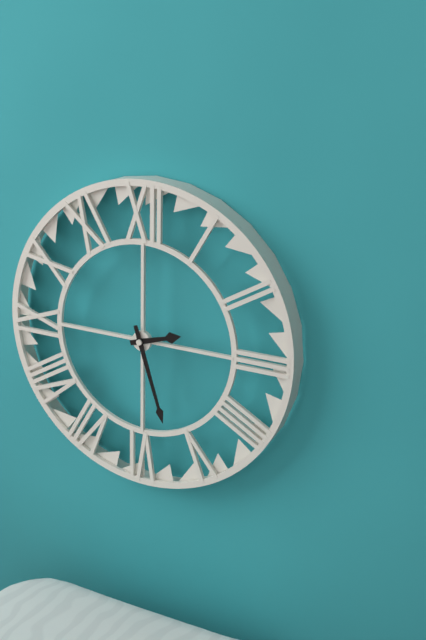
2:27
